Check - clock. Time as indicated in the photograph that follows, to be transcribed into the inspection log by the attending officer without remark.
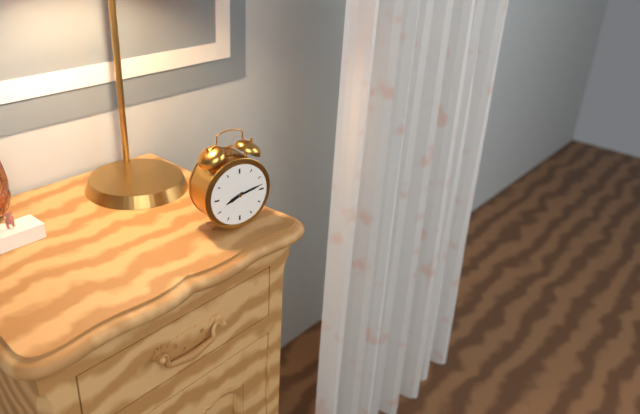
8:13
